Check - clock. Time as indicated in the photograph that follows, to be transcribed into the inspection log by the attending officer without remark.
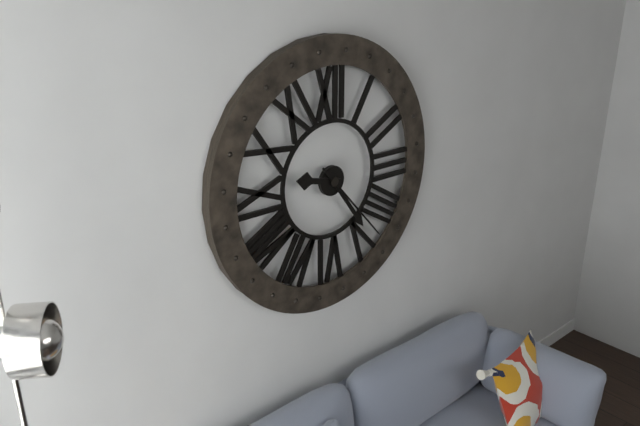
9:24:23
